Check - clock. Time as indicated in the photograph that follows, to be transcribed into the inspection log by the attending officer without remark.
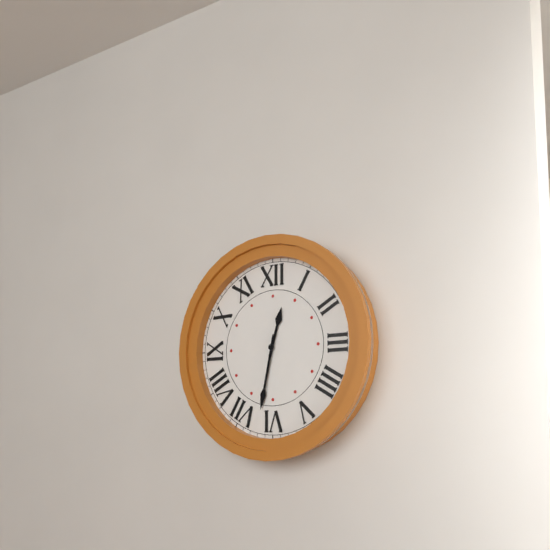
12:32
